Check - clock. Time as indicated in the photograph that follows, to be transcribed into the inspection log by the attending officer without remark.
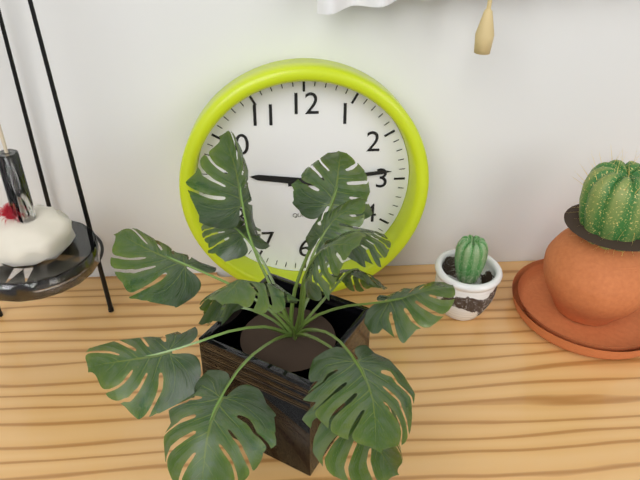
9:14
